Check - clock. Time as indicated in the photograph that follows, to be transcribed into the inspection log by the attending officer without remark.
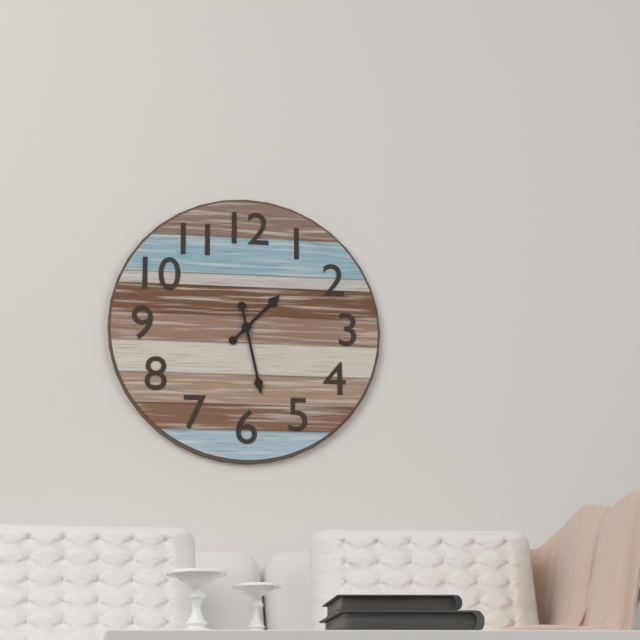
1:28
